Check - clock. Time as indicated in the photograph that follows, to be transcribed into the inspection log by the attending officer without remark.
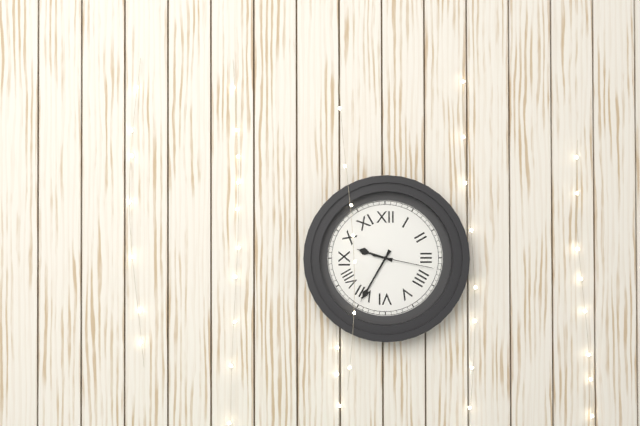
9:35:17
